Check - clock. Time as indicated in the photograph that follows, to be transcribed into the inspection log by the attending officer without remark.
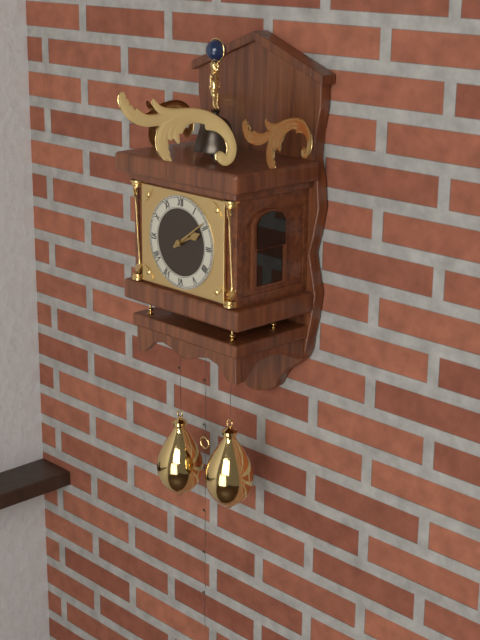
2:09
